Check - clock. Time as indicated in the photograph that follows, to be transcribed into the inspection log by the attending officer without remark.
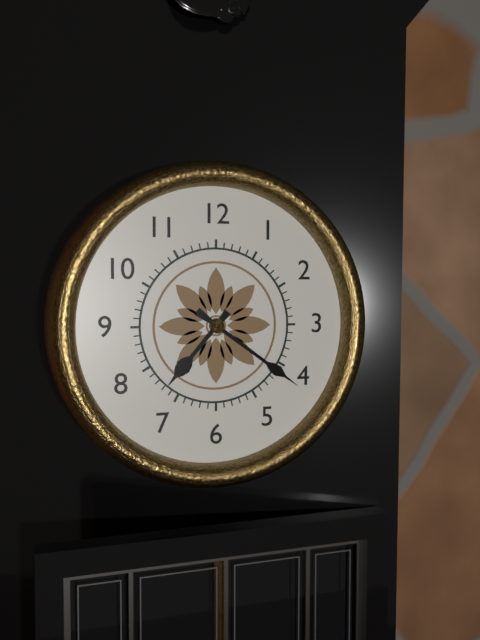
7:21
